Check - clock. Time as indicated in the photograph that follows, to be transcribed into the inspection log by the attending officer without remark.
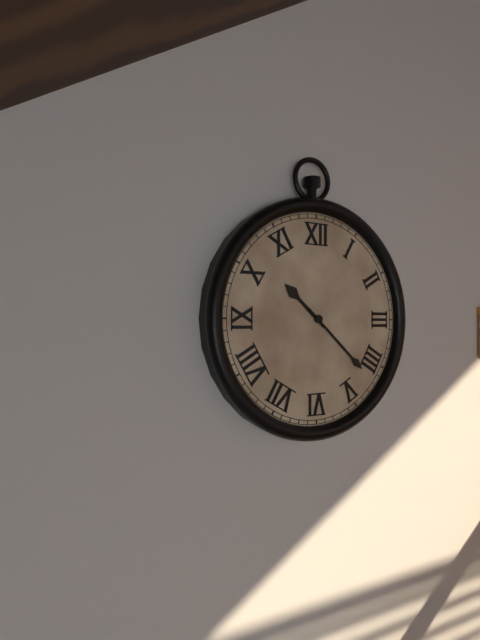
10:22
